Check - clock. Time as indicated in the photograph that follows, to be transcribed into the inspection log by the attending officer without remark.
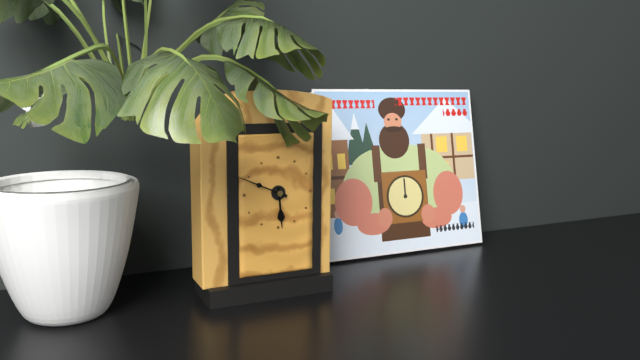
5:49
